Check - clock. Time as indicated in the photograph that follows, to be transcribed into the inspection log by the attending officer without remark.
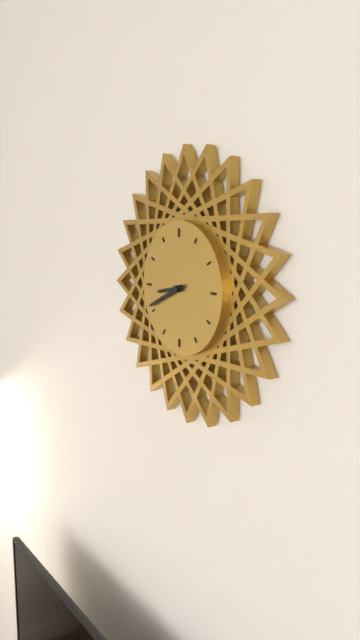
8:41
